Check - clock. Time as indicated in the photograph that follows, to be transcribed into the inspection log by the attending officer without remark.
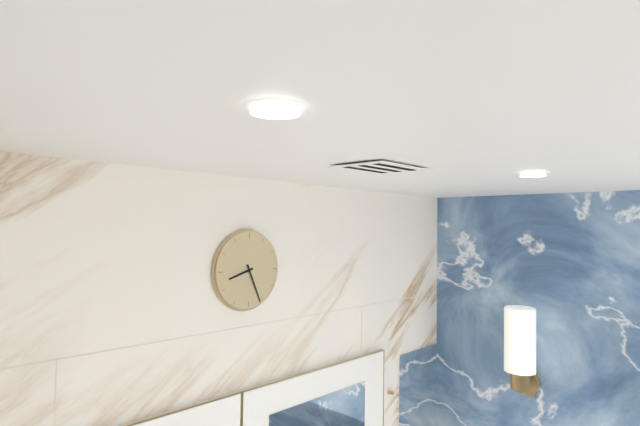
8:26
